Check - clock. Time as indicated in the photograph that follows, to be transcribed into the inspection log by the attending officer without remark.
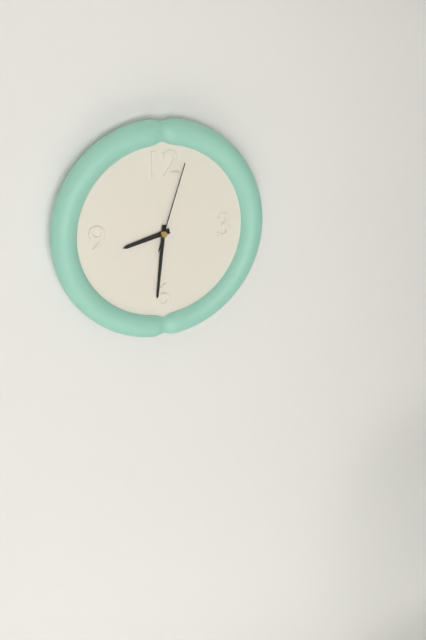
8:31:03
